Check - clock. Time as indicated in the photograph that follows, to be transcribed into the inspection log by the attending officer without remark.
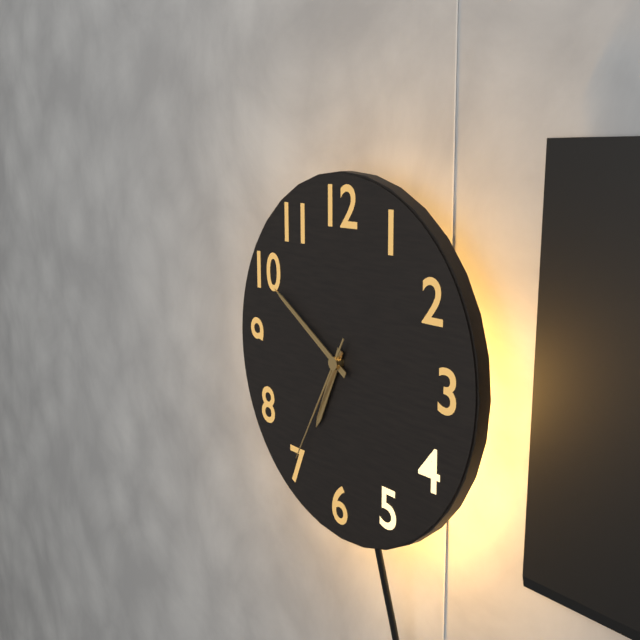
6:50:35
